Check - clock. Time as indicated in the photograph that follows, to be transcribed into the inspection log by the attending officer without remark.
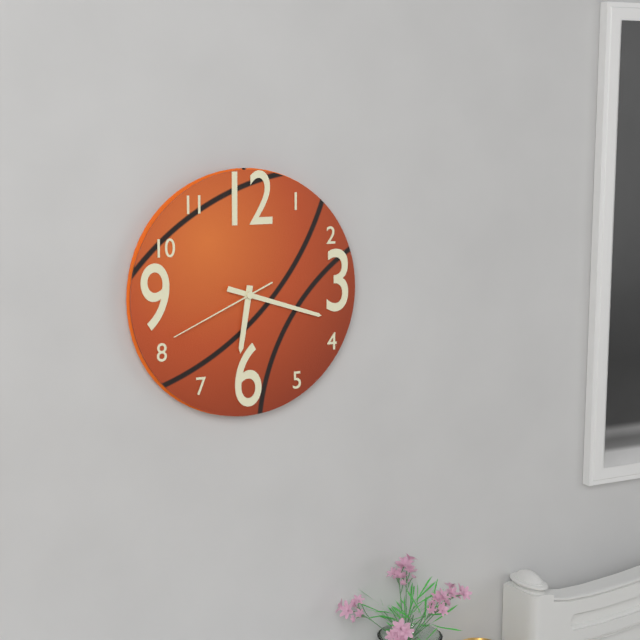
6:18:41
